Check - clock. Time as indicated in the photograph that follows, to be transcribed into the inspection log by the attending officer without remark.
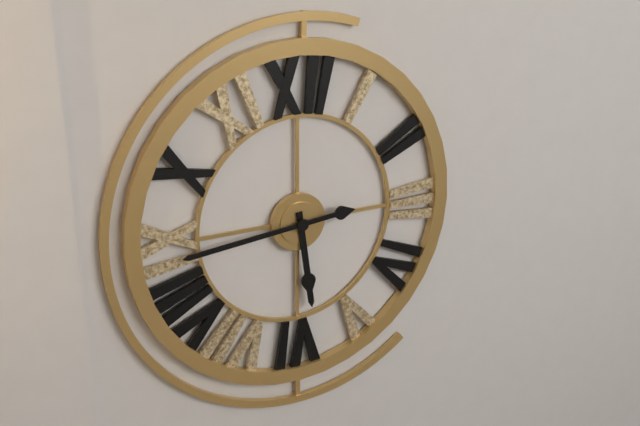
5:44
